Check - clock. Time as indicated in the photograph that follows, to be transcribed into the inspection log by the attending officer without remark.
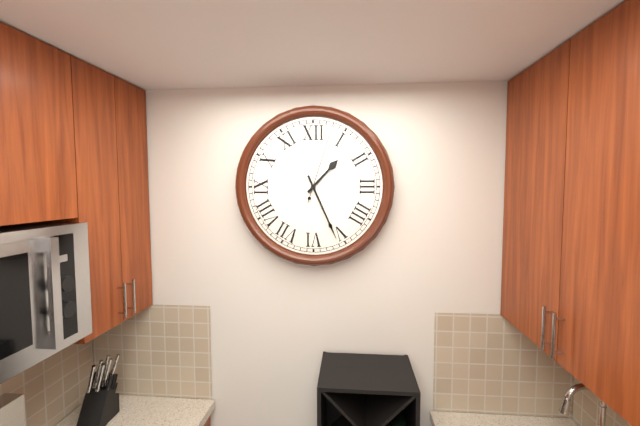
1:26:03
